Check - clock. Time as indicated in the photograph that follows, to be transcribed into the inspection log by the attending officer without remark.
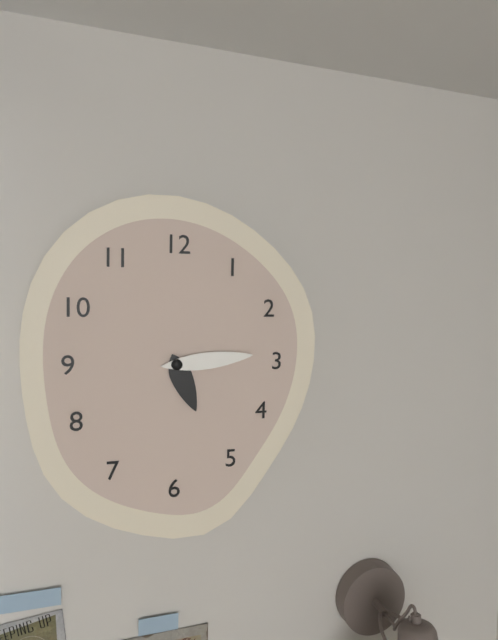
5:14
